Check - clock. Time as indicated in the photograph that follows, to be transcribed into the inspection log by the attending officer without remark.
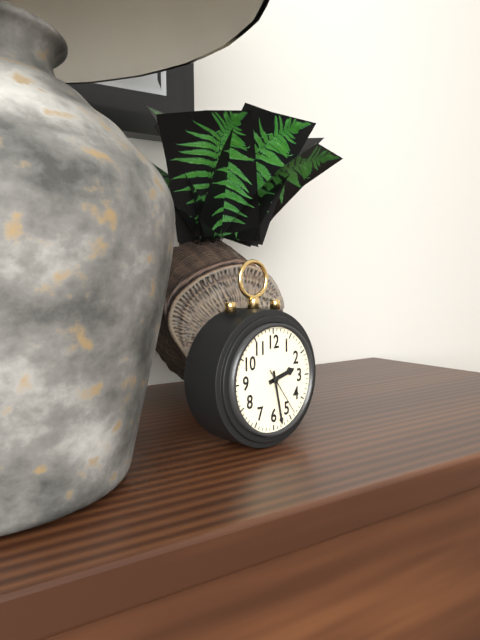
2:28
